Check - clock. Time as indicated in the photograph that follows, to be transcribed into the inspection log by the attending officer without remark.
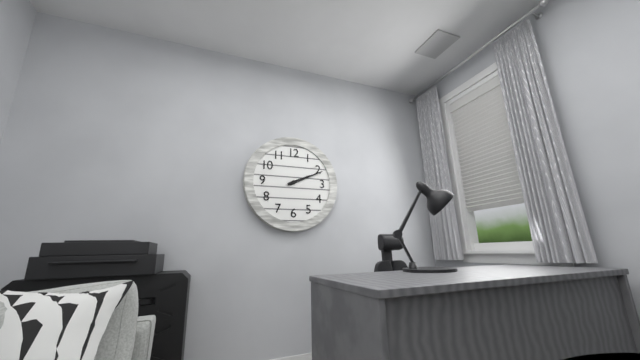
2:11
